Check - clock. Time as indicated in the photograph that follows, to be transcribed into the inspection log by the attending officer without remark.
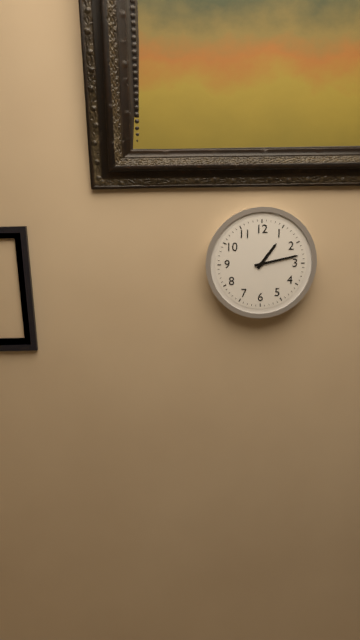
1:13
